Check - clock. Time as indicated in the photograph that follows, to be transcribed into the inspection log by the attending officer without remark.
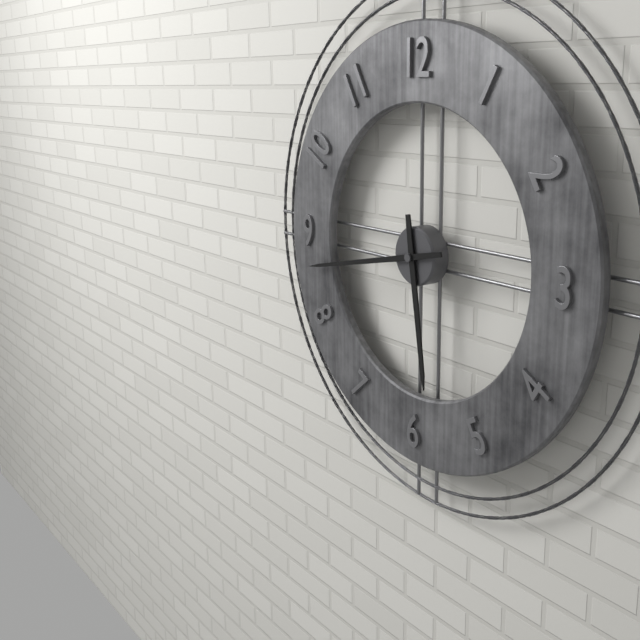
5:43
